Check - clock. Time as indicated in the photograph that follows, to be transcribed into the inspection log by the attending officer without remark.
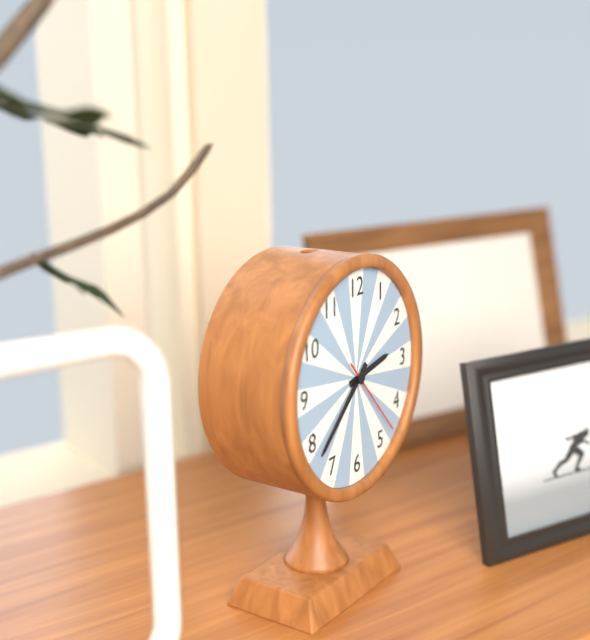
2:38:23
